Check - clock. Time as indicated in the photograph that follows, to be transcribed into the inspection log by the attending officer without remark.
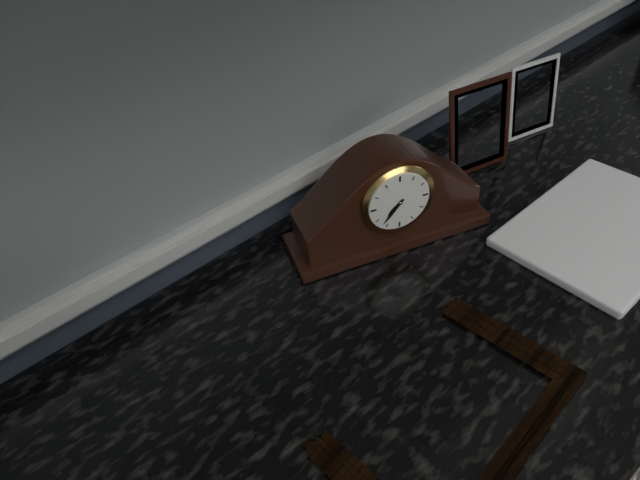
7:37
